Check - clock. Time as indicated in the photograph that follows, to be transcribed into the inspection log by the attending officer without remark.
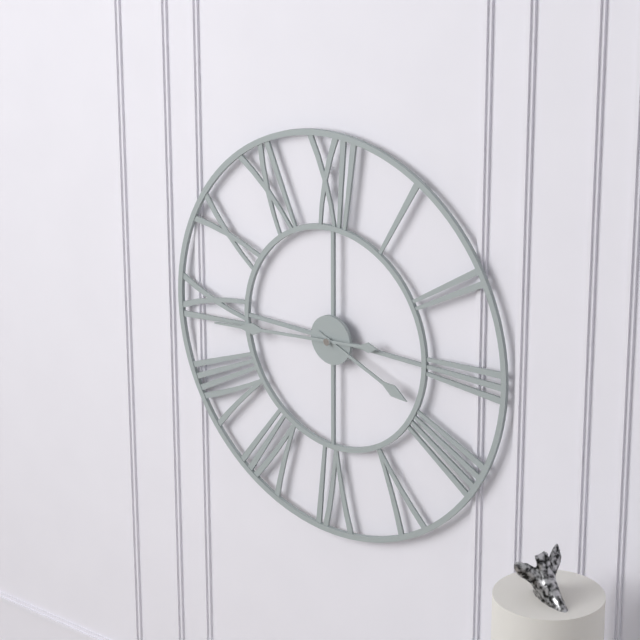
3:44
